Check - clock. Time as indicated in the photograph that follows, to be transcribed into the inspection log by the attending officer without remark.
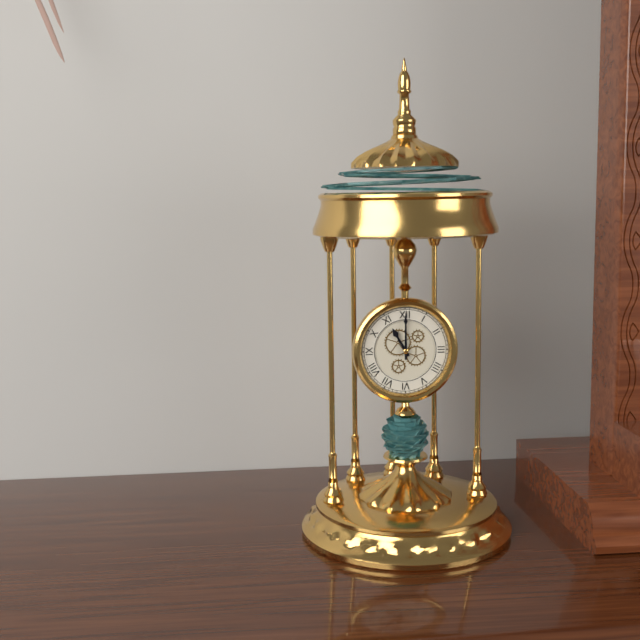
11:00
